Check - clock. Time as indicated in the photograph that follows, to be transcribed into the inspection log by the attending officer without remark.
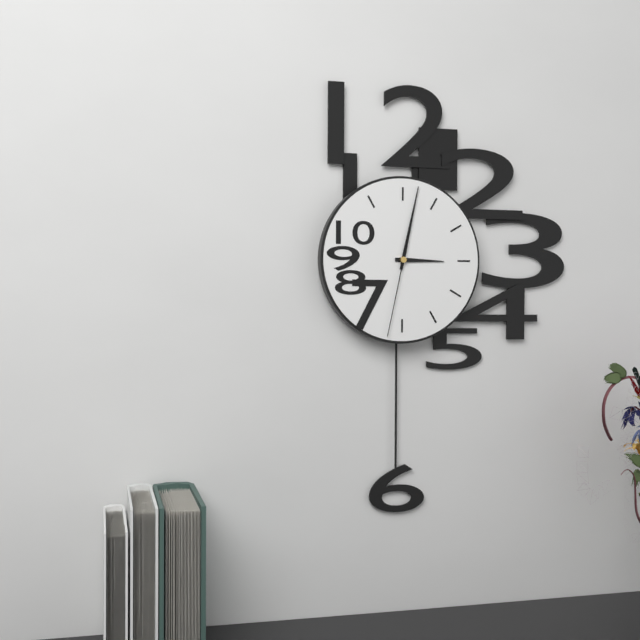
3:02:32
